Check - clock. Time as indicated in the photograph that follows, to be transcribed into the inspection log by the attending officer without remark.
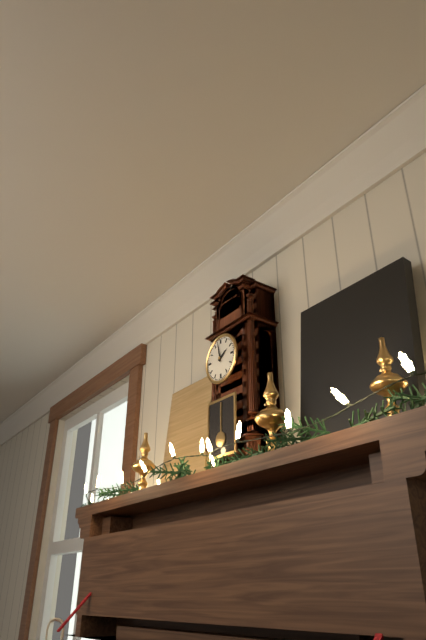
1:58
